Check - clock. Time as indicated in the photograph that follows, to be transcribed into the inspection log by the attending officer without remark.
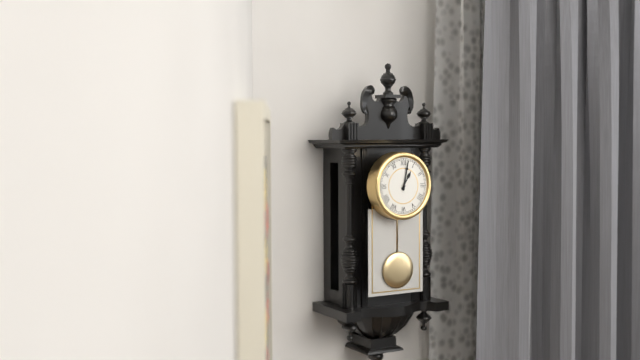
1:02
